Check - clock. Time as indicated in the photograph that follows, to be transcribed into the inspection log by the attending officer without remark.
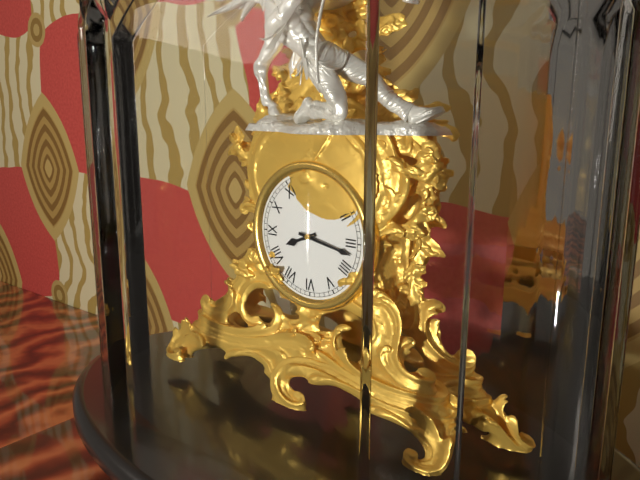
8:17
